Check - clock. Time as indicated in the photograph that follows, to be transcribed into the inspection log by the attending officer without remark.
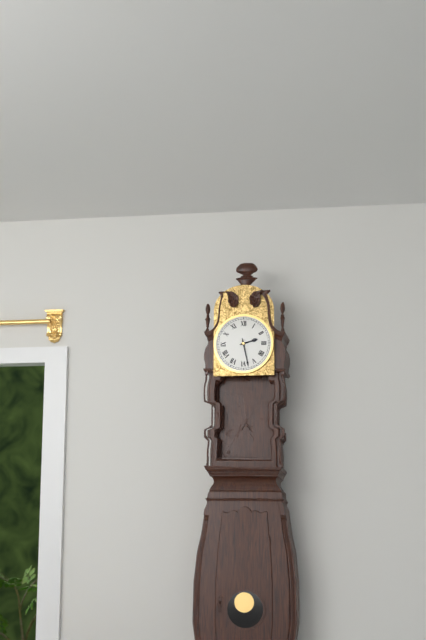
2:28
